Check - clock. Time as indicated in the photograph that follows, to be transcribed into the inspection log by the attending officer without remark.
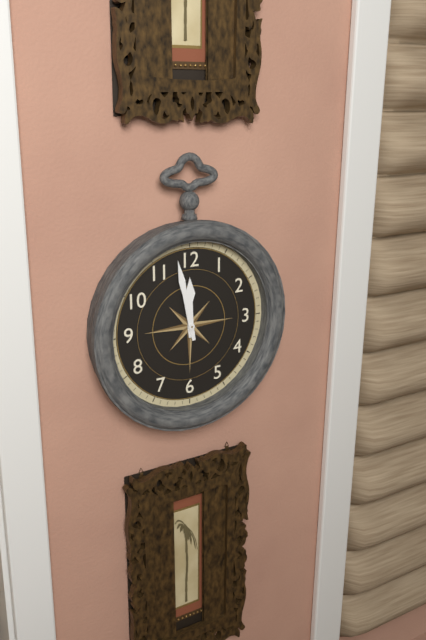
11:58
